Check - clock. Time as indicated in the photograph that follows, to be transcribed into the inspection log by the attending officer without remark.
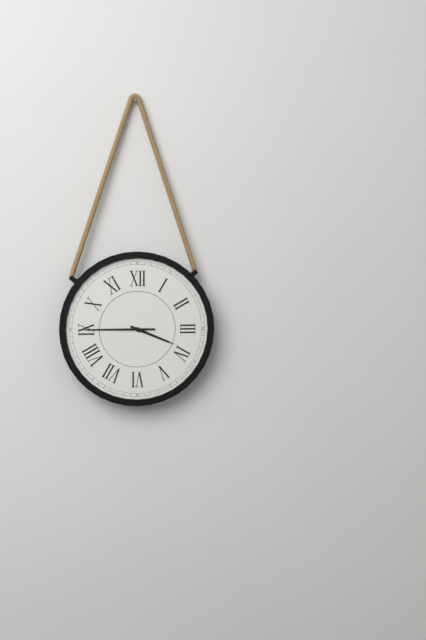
3:45
